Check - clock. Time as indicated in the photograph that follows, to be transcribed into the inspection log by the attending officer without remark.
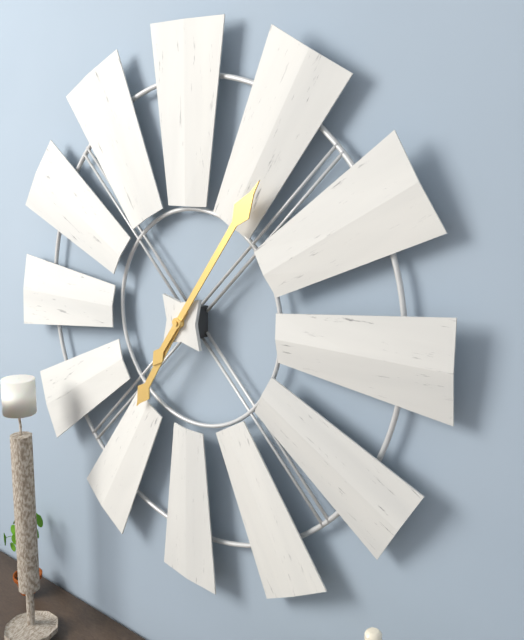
7:06
